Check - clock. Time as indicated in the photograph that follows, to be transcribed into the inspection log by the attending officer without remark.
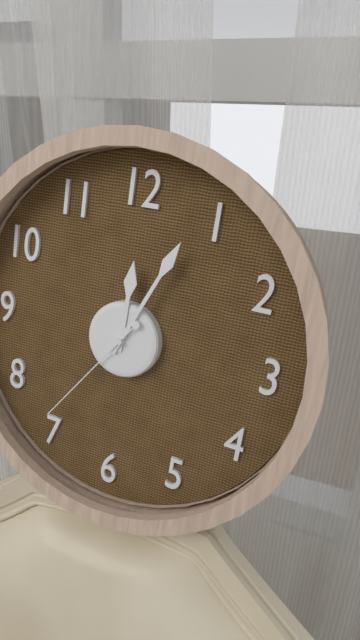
12:04:36
